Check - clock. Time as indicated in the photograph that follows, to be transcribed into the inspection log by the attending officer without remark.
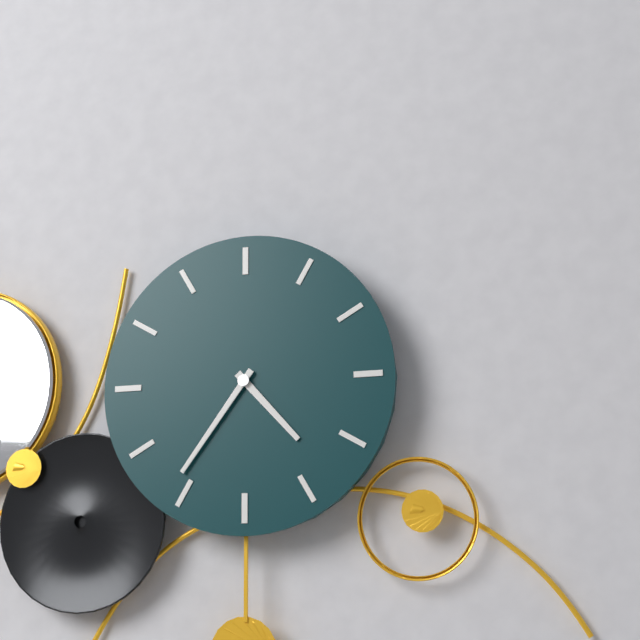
4:36
